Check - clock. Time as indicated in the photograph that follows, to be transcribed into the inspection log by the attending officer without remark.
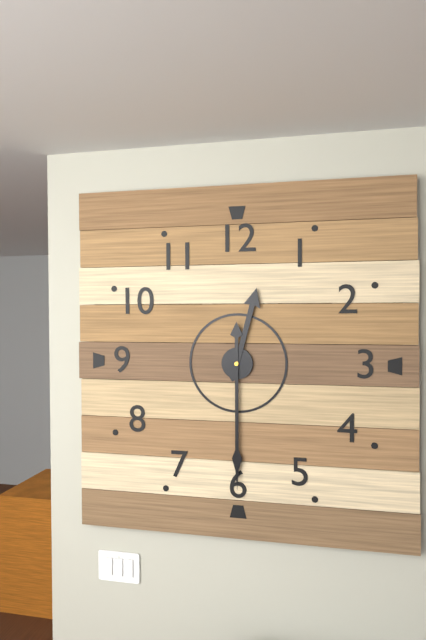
12:30
